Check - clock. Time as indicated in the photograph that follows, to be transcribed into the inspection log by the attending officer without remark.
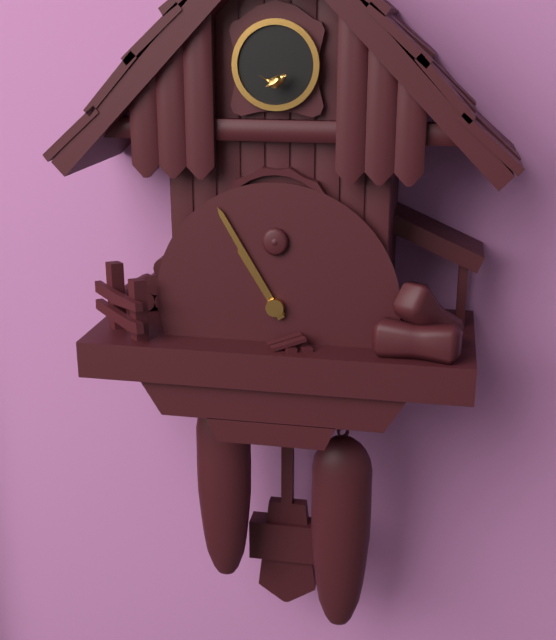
10:55
